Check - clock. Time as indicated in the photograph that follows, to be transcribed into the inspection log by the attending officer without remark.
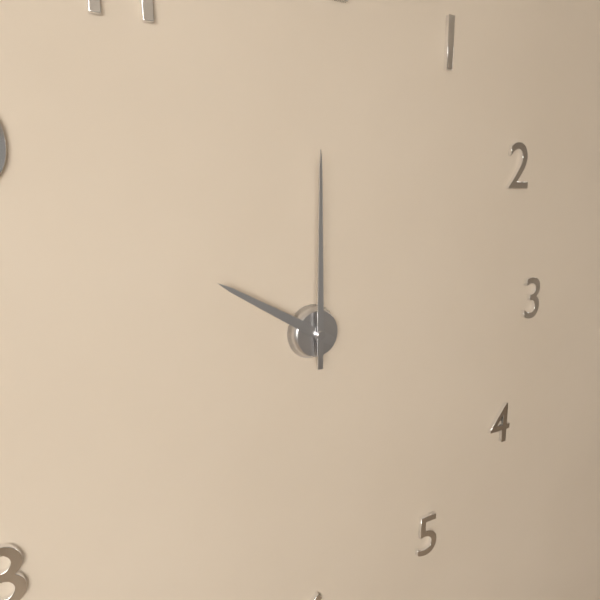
10:00
